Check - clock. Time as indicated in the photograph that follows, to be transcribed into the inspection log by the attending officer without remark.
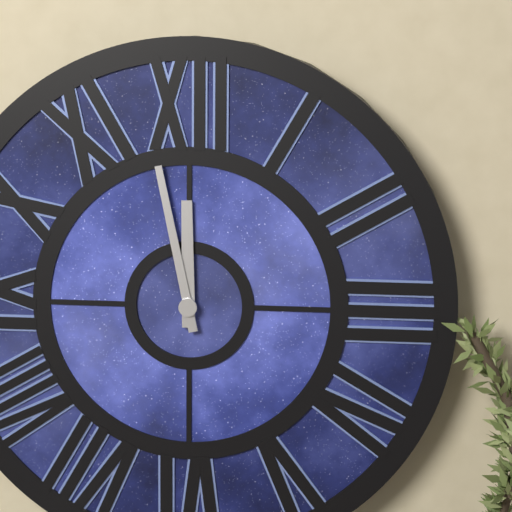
11:58
